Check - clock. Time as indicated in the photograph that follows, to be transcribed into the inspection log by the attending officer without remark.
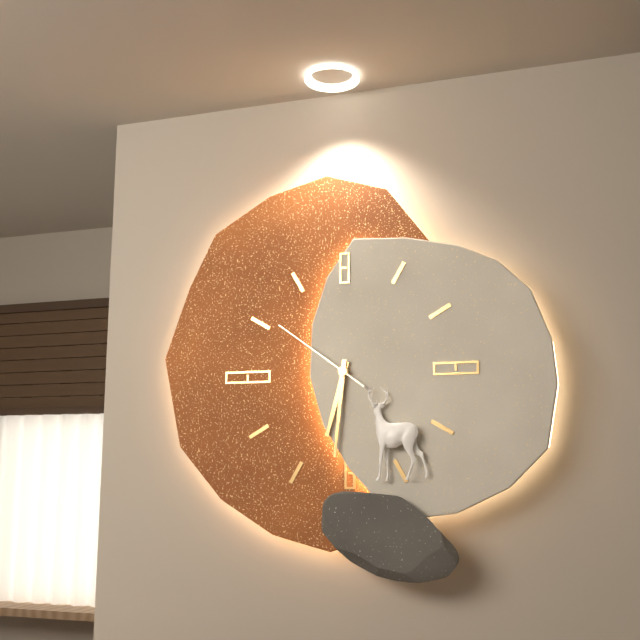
6:31:51
